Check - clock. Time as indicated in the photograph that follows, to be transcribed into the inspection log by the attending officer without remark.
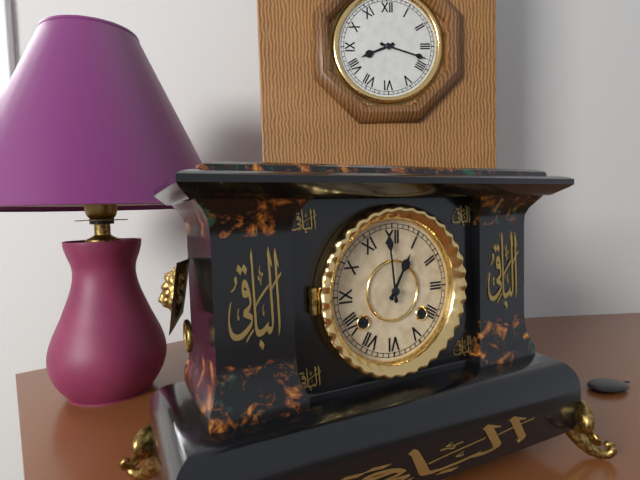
12:59
